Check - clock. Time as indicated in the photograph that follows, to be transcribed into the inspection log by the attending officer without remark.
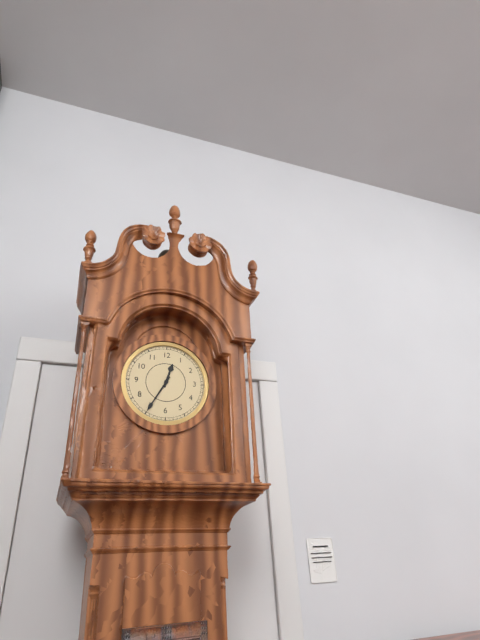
12:35
